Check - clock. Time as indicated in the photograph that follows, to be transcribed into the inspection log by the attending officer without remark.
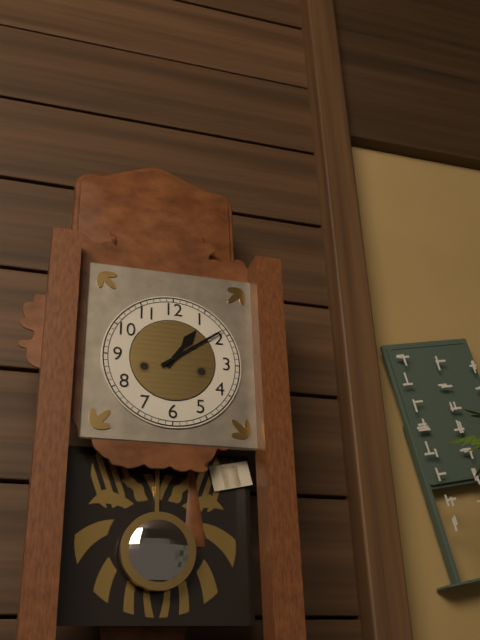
1:09
